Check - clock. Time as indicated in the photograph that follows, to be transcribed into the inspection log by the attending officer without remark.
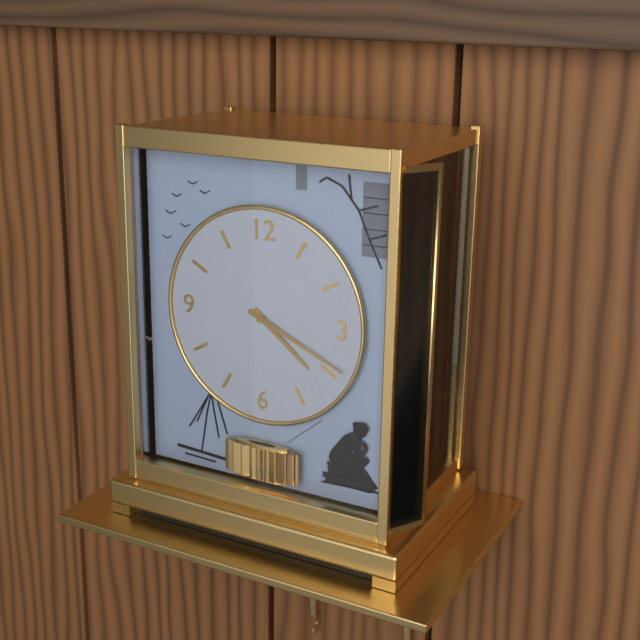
4:19
